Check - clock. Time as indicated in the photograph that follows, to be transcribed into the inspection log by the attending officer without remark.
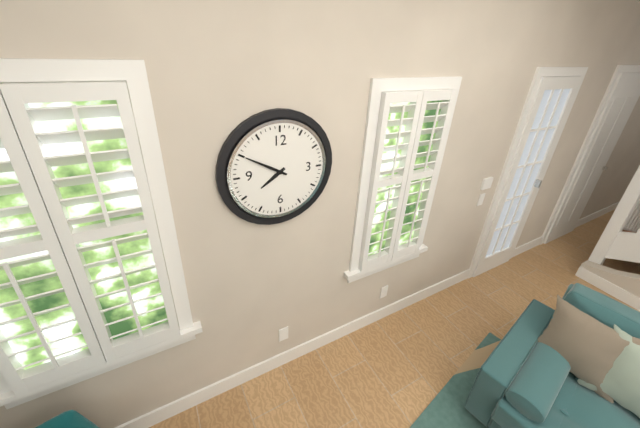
7:50
